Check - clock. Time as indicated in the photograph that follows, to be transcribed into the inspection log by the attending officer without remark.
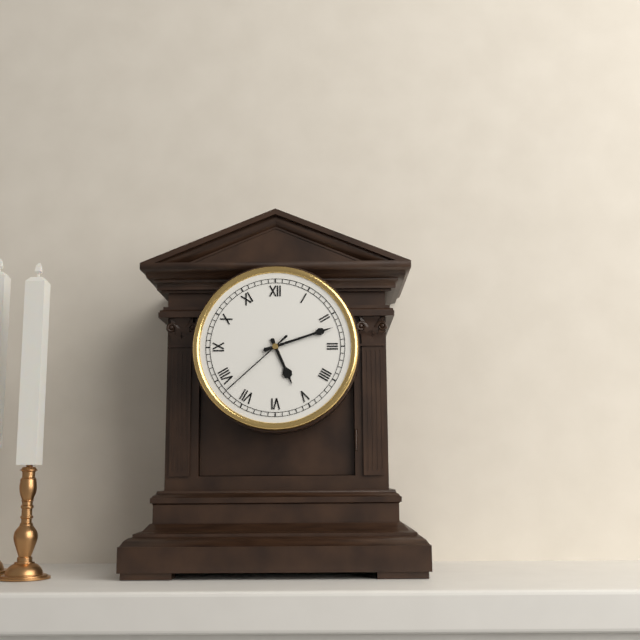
5:12:38
